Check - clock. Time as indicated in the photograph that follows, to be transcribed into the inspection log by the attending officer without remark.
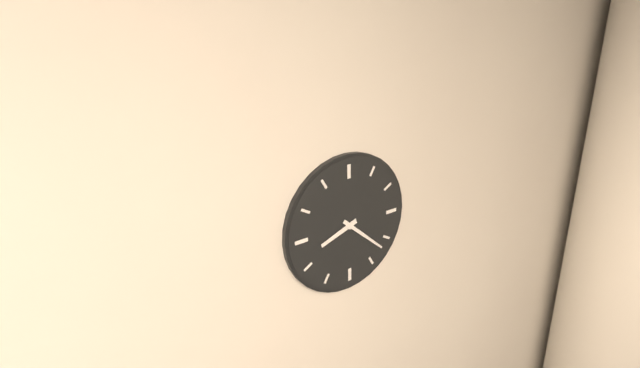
8:22
